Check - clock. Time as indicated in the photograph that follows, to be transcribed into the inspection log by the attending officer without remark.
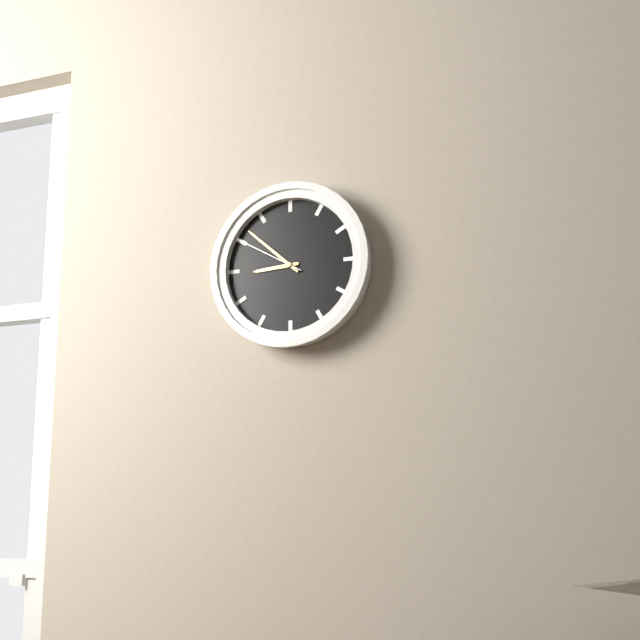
8:52:50
